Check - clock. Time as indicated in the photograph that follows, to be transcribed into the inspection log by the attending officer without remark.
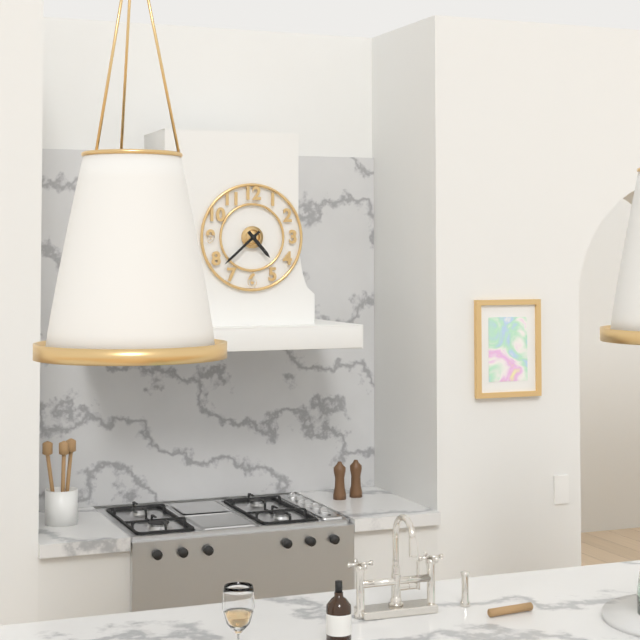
4:38
